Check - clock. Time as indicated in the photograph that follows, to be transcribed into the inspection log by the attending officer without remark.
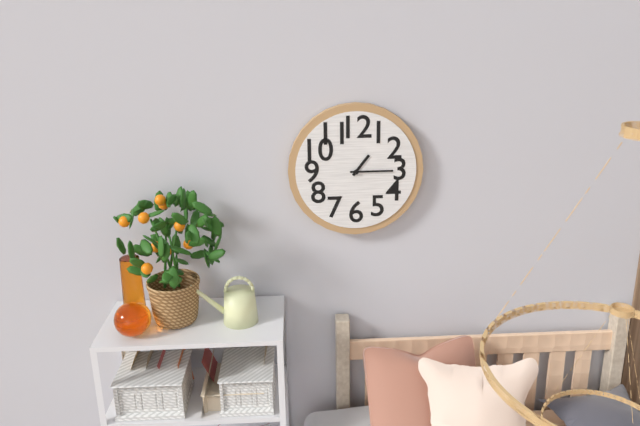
1:15
